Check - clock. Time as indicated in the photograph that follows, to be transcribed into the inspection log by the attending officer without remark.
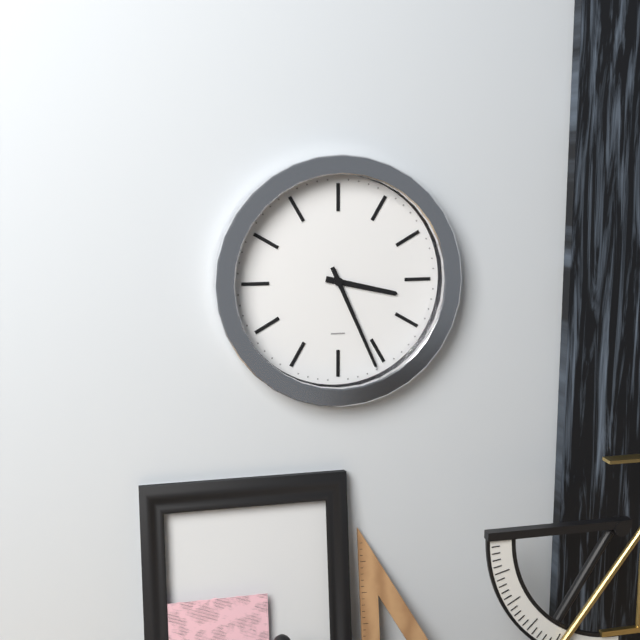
3:26
